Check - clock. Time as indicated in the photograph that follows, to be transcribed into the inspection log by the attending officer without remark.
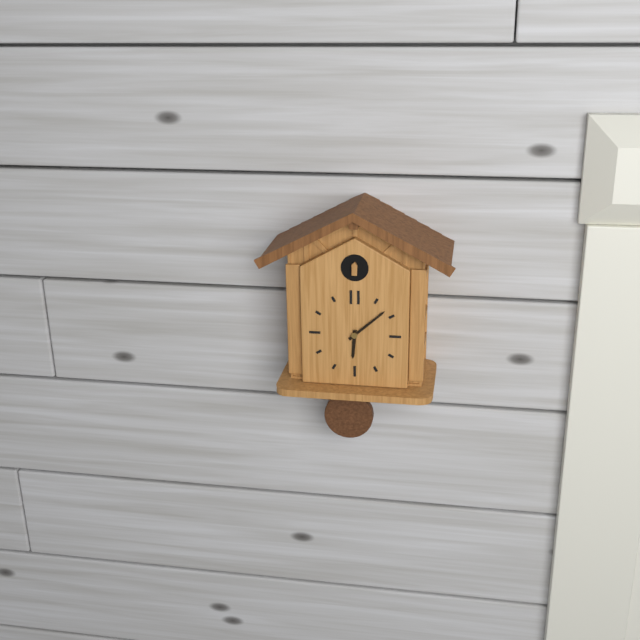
6:08
